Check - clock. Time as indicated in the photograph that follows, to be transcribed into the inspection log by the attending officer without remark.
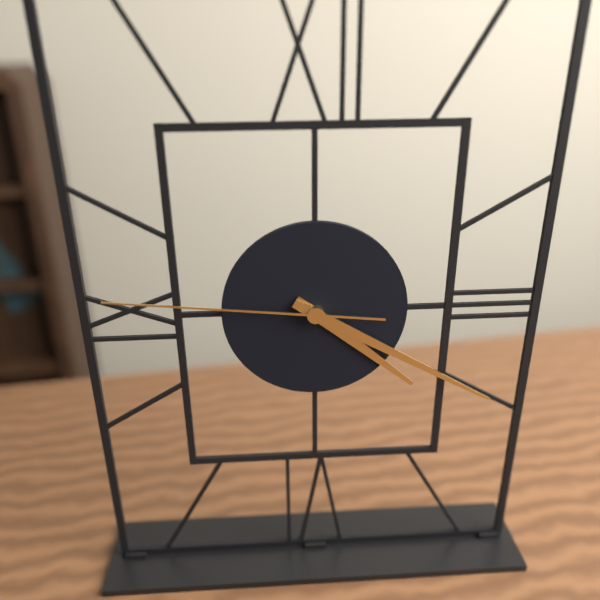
4:20:46
